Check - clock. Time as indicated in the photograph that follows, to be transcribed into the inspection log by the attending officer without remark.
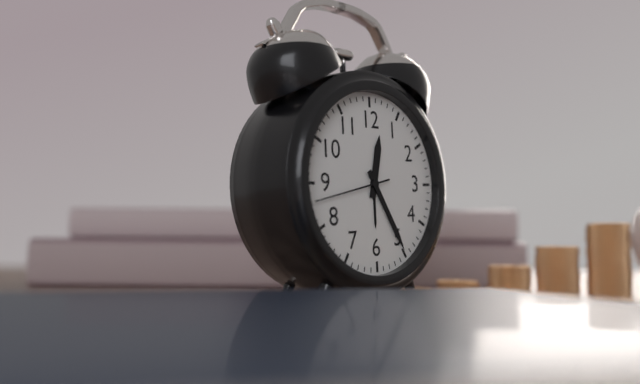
12:25:43
